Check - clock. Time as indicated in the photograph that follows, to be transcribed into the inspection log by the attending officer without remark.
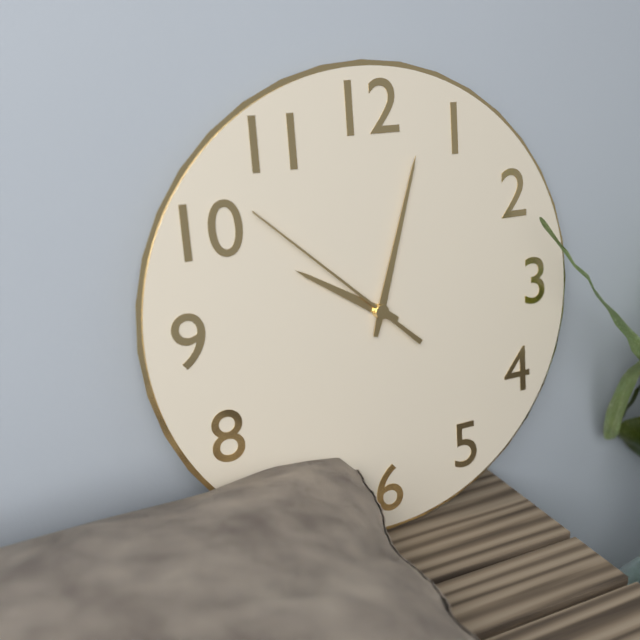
10:03:52
